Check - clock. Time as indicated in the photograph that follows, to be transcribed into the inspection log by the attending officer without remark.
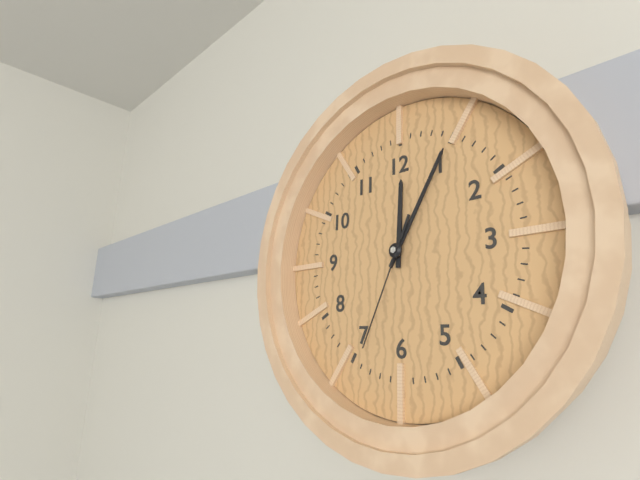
12:05:34
